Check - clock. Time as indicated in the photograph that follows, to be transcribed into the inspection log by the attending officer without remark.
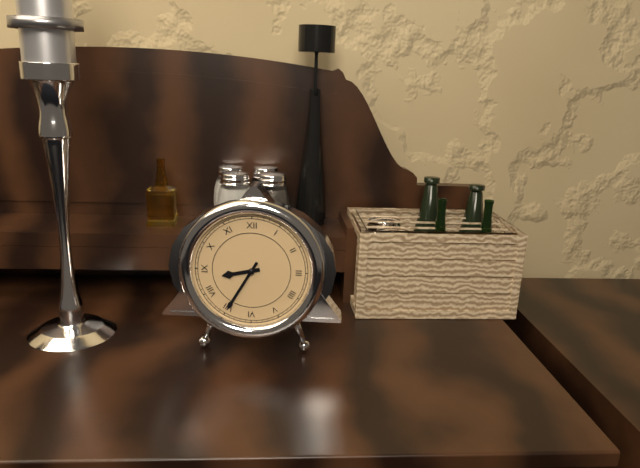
8:35
